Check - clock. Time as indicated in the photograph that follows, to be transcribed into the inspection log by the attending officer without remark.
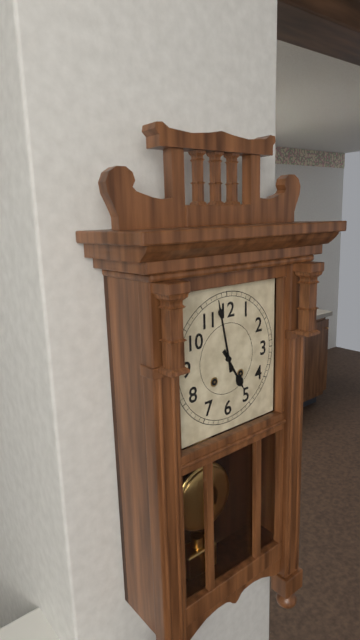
4:58
